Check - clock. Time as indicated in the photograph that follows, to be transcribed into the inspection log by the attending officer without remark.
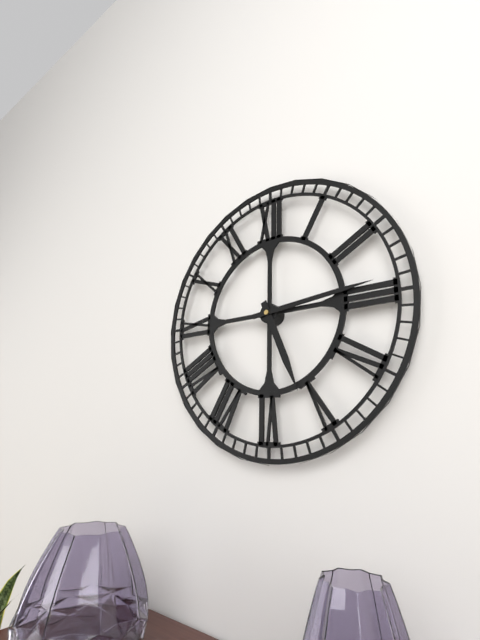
5:14
